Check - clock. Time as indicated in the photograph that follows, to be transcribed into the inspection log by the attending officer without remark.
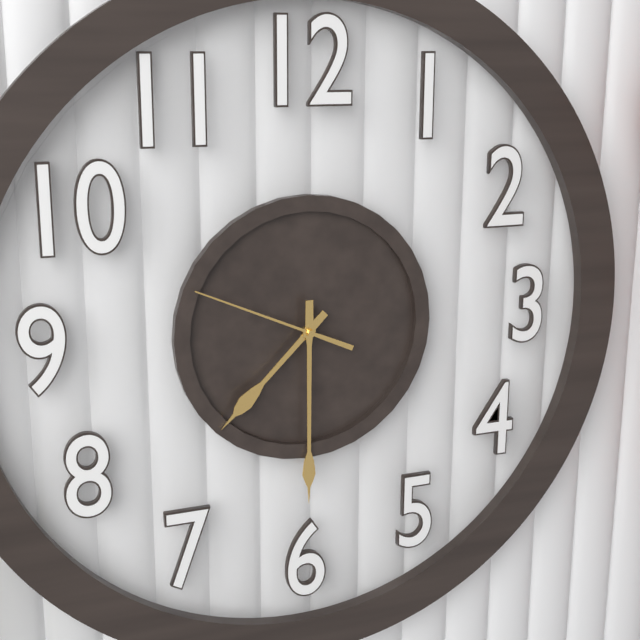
7:30:49
